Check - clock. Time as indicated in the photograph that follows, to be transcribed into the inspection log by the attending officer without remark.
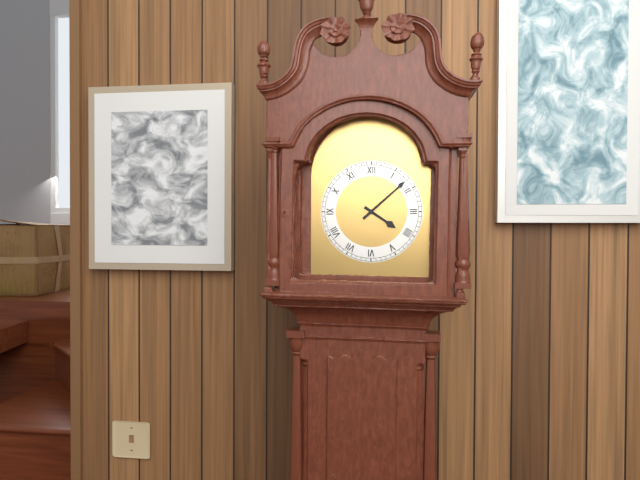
4:08
